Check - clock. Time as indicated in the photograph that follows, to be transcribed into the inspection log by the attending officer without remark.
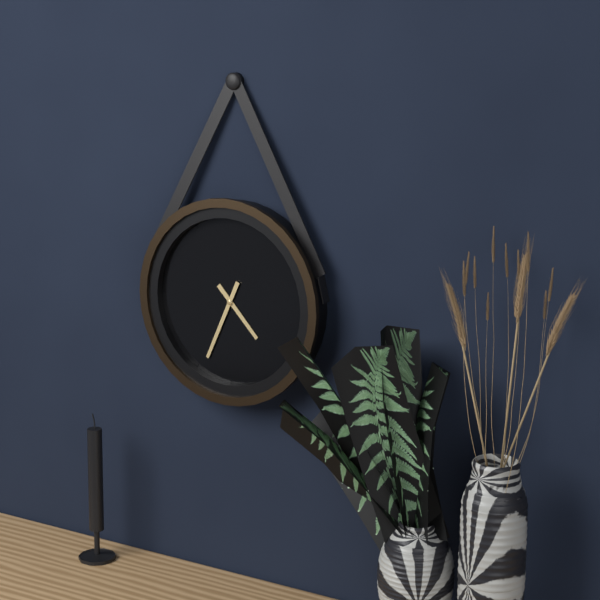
4:34
